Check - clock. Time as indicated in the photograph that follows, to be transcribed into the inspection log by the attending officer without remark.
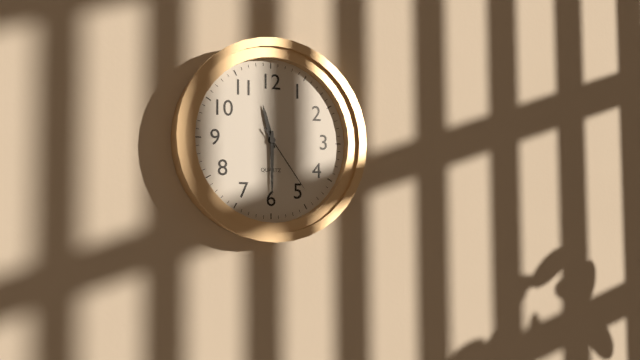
11:30:24
